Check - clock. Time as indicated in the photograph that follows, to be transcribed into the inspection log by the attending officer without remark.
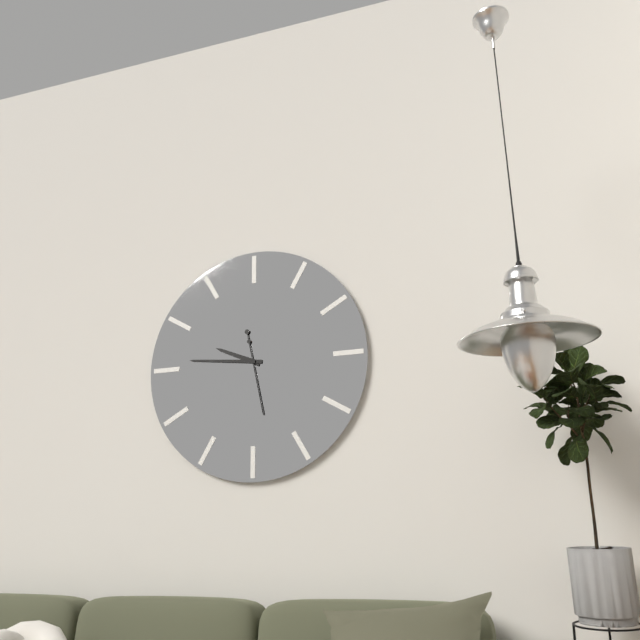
9:46:28
